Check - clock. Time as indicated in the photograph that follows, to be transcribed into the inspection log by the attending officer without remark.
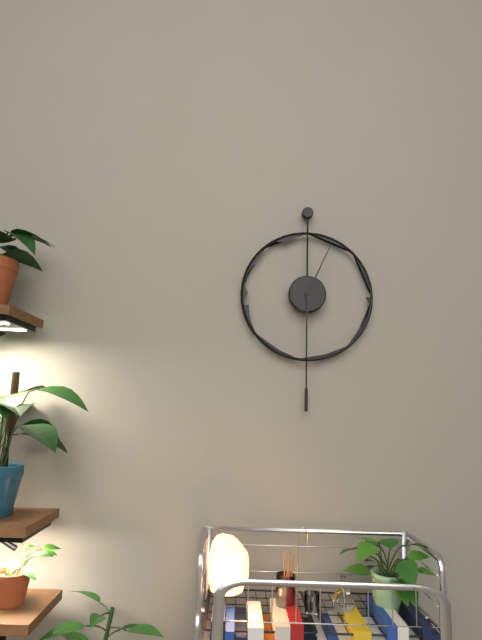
6:04
